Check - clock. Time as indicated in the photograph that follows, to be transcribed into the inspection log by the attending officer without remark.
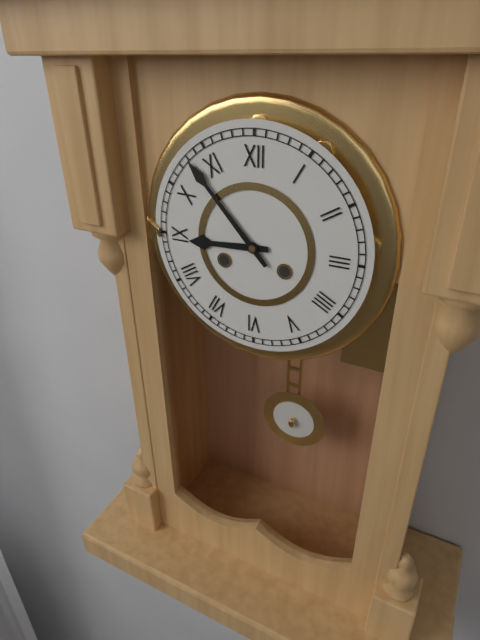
8:53
